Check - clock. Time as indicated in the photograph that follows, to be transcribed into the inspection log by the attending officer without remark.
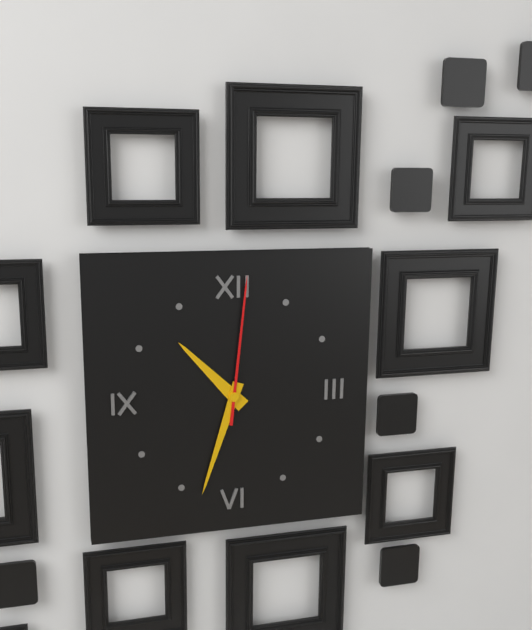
10:33:01
